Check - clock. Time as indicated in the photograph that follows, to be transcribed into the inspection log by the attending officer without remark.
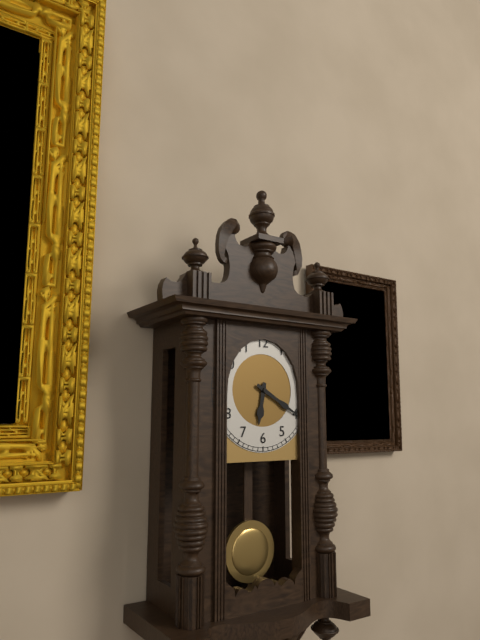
6:20
